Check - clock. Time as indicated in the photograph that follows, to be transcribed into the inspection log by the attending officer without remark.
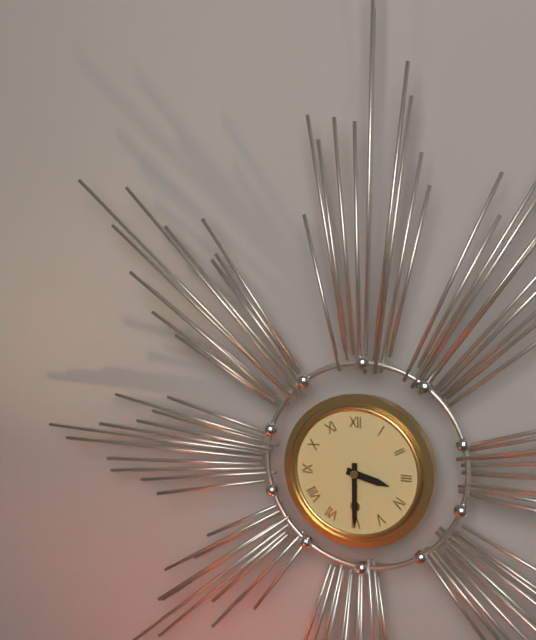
3:30
